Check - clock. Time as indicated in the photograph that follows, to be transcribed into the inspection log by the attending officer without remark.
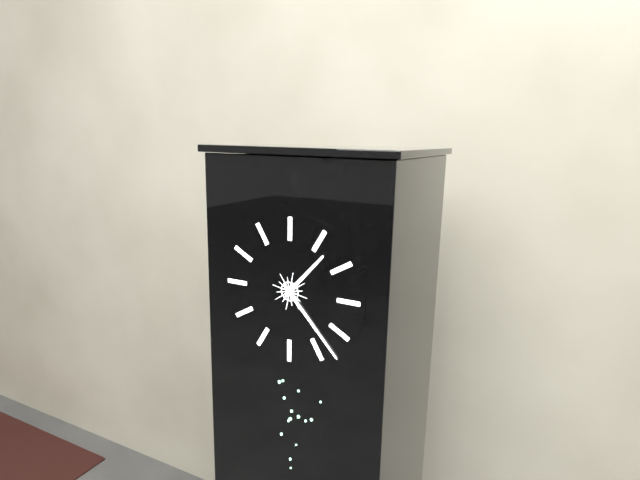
1:23
